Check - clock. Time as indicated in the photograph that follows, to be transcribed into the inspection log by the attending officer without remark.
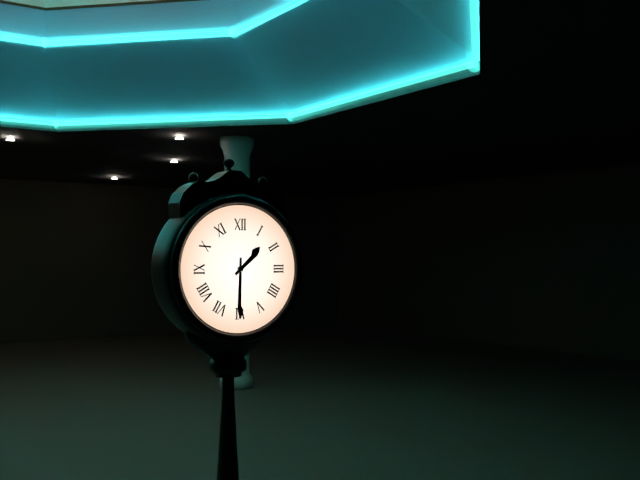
1:30
